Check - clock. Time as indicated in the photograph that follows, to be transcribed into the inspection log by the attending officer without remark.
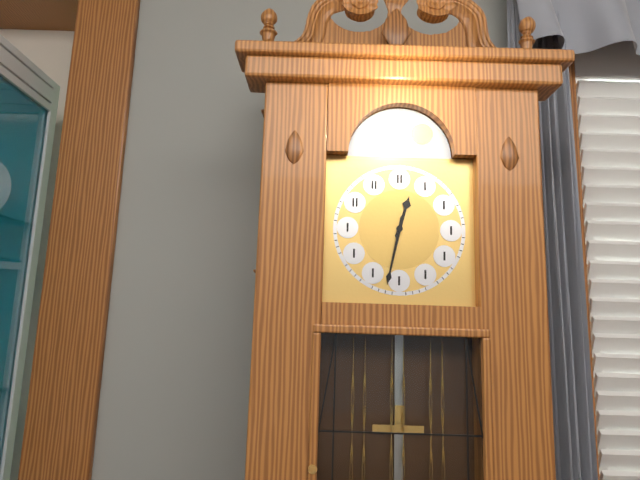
12:32
